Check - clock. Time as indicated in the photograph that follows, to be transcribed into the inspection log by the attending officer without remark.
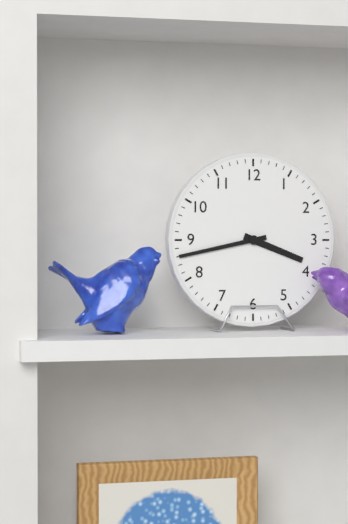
3:43
